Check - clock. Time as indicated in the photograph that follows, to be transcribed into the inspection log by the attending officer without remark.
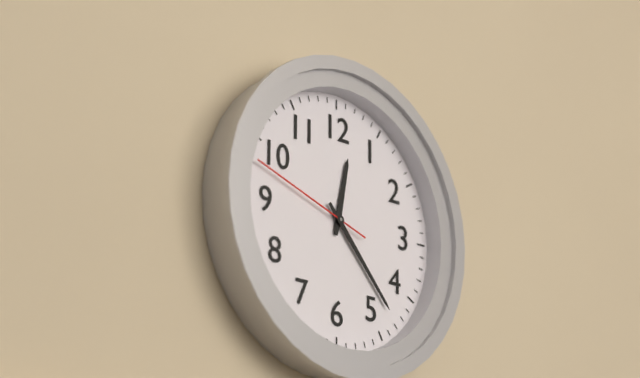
12:23:48
